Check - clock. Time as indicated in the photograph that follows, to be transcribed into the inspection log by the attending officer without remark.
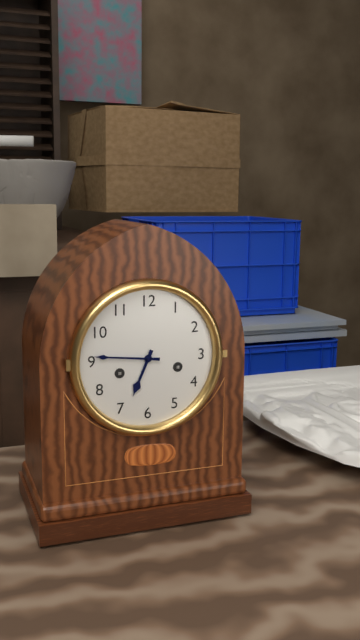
6:46
